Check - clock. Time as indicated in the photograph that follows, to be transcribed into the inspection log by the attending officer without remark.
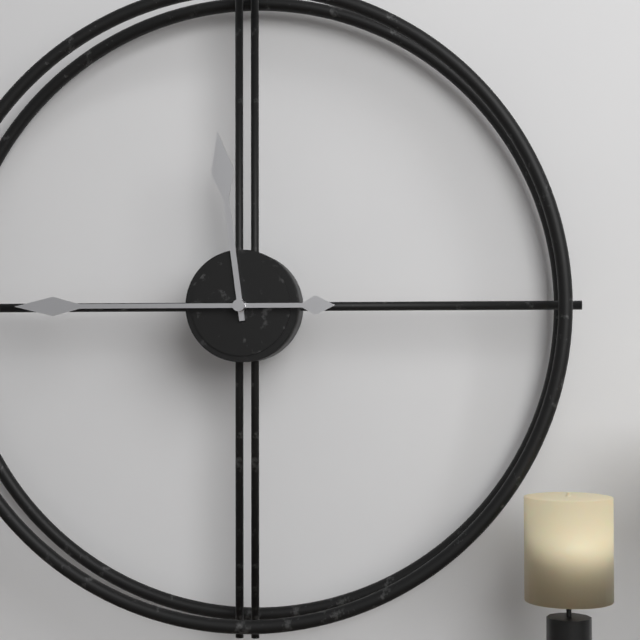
11:45
